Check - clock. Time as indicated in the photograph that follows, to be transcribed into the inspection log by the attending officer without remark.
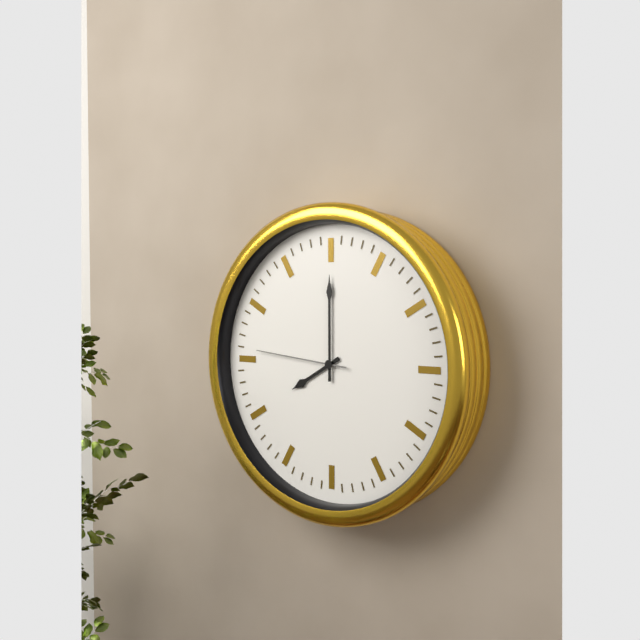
8:00:46
